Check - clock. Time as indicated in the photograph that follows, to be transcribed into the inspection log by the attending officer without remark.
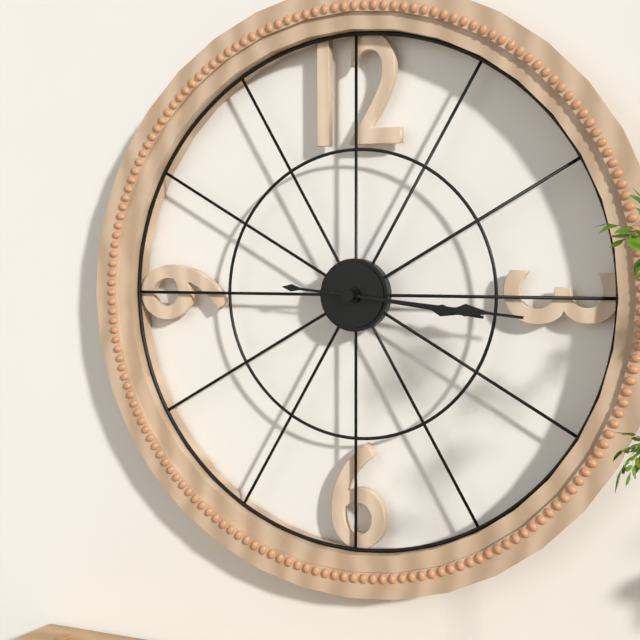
3:16
